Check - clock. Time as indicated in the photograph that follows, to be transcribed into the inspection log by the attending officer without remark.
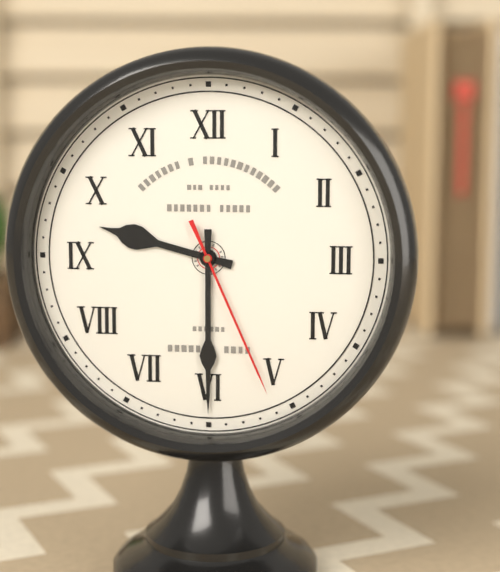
9:30:26
